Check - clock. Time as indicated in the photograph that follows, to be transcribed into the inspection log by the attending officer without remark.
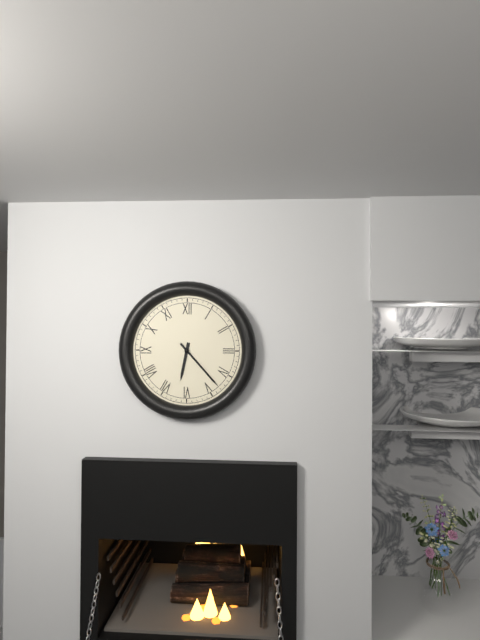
6:23
